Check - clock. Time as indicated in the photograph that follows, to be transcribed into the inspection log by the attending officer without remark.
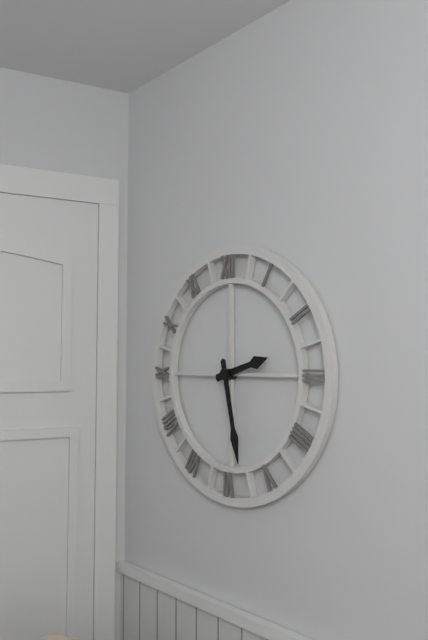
2:28
